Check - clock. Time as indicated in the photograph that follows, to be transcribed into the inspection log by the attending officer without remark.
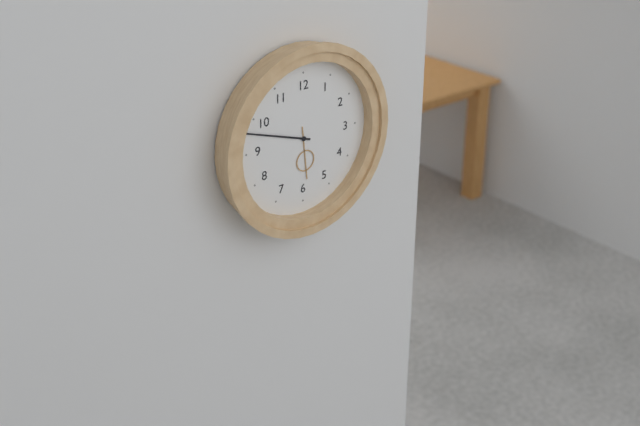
5:48
